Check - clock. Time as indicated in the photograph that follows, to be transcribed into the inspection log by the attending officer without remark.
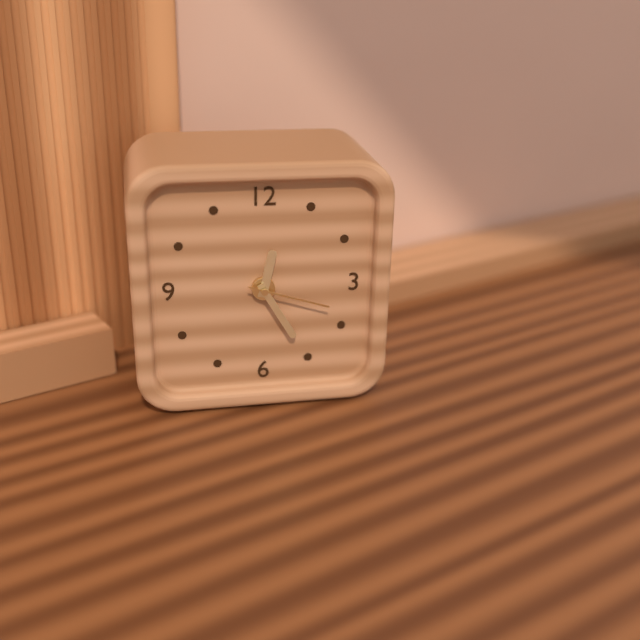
12:25:18
